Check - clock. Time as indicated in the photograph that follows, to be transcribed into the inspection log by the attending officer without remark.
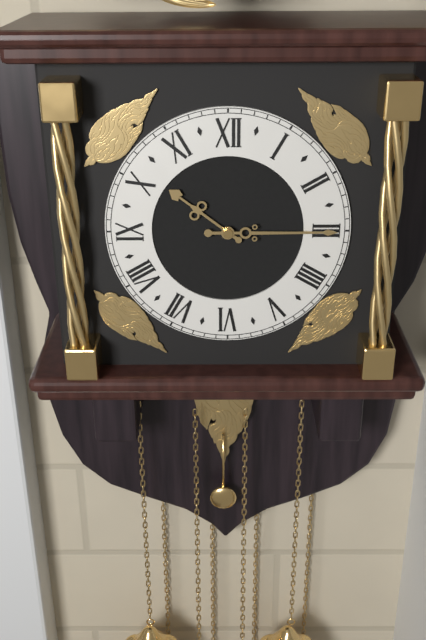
10:15
